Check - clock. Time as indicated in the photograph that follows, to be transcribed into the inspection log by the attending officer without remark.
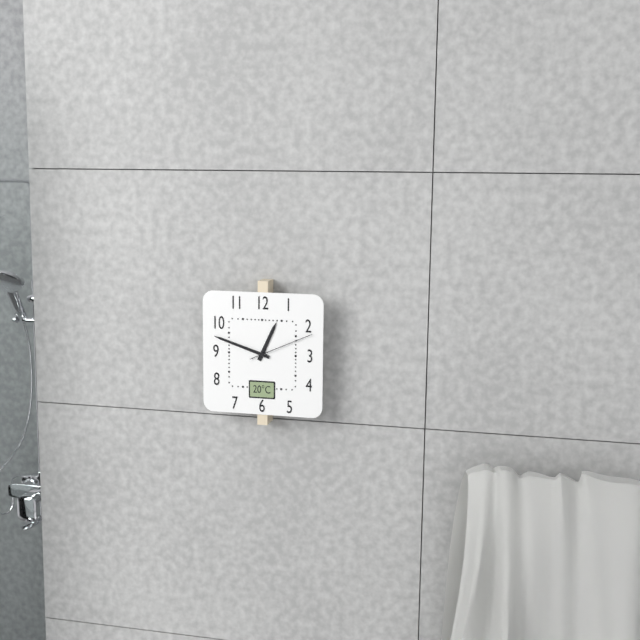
12:48:11
